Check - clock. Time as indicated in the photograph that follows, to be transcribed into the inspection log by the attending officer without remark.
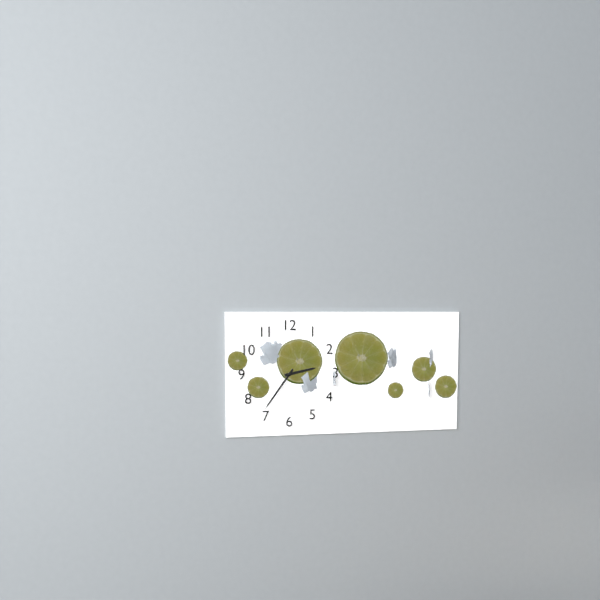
2:36
